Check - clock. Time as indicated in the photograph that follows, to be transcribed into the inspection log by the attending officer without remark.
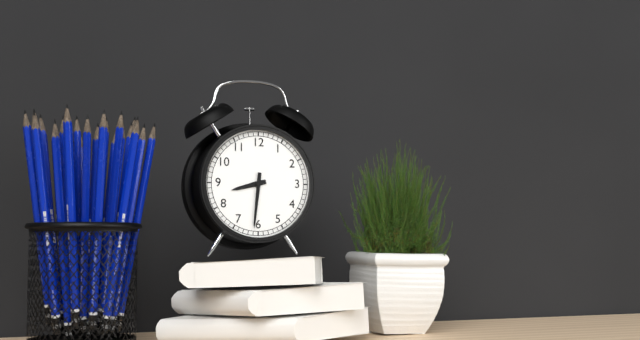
8:31
